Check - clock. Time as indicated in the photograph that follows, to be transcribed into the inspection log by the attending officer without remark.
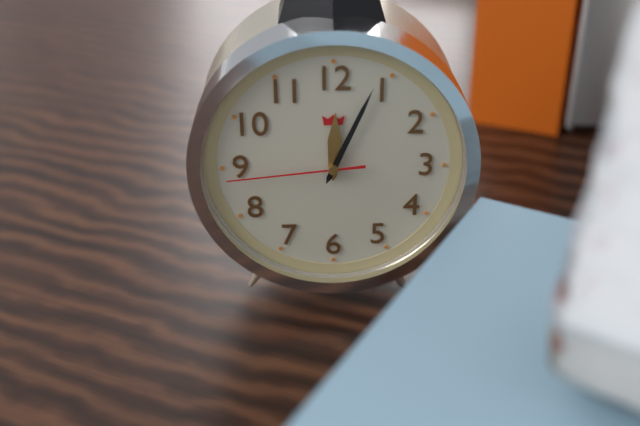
12:04:44
